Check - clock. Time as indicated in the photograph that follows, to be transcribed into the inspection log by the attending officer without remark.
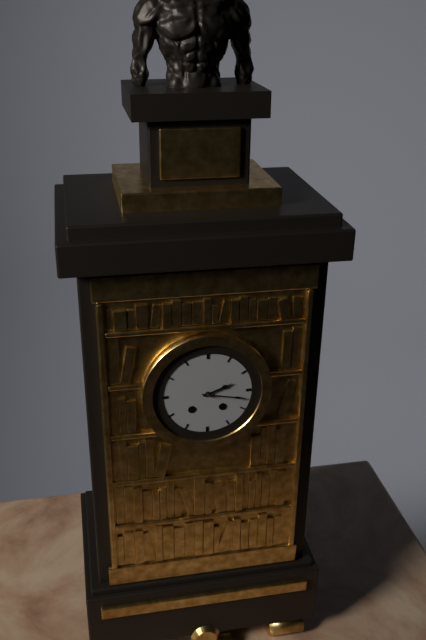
2:17
